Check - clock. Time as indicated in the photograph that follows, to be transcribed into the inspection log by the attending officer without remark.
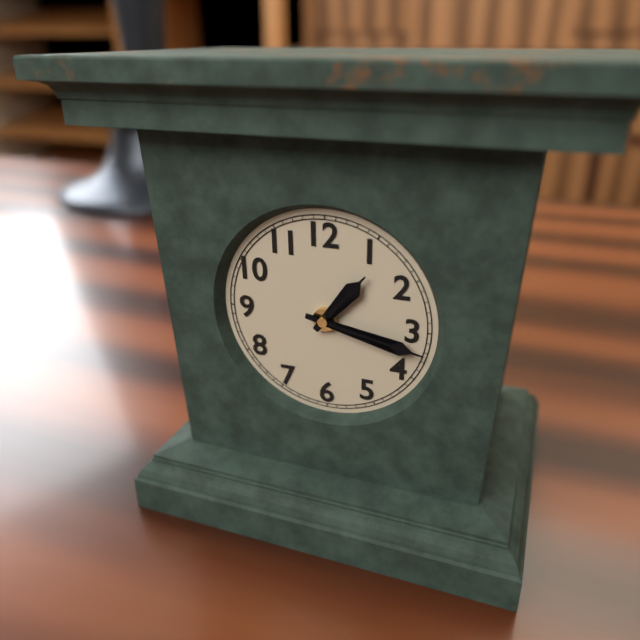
1:17
